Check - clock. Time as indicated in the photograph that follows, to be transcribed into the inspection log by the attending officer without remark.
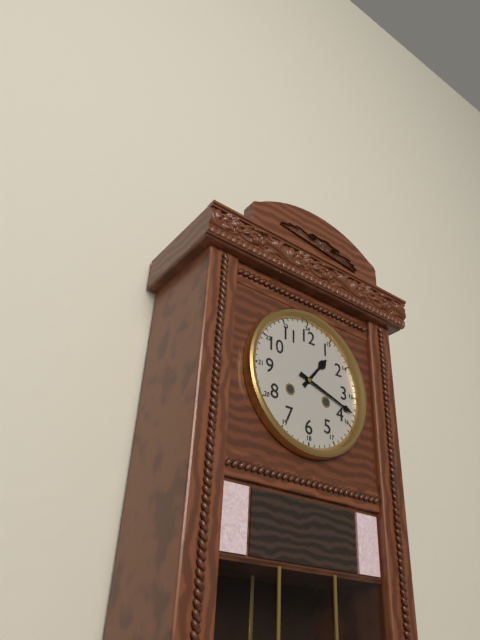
1:18
